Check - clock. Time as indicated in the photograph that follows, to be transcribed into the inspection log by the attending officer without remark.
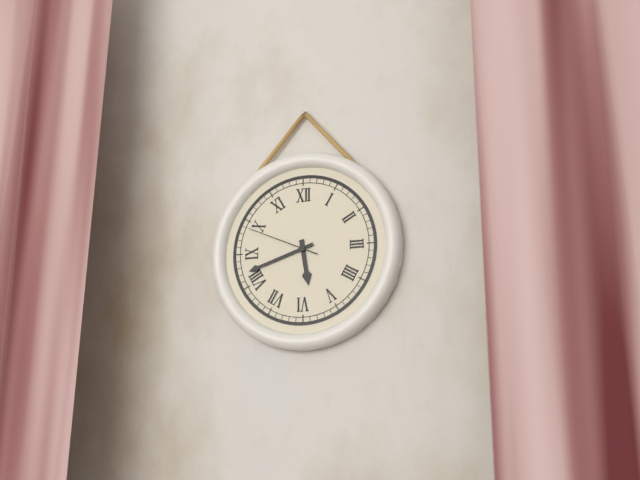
5:42:49
